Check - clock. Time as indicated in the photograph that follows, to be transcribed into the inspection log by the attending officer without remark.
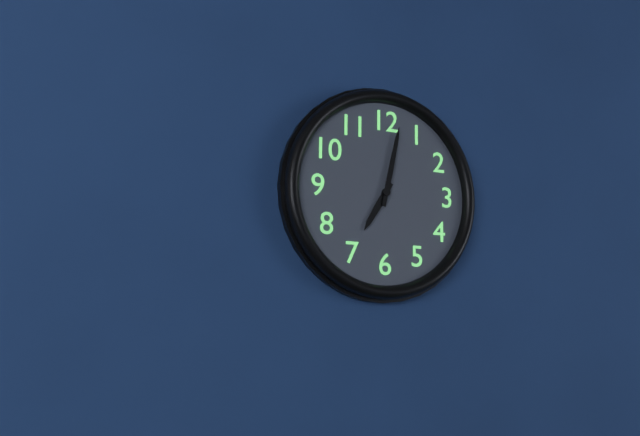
7:02
